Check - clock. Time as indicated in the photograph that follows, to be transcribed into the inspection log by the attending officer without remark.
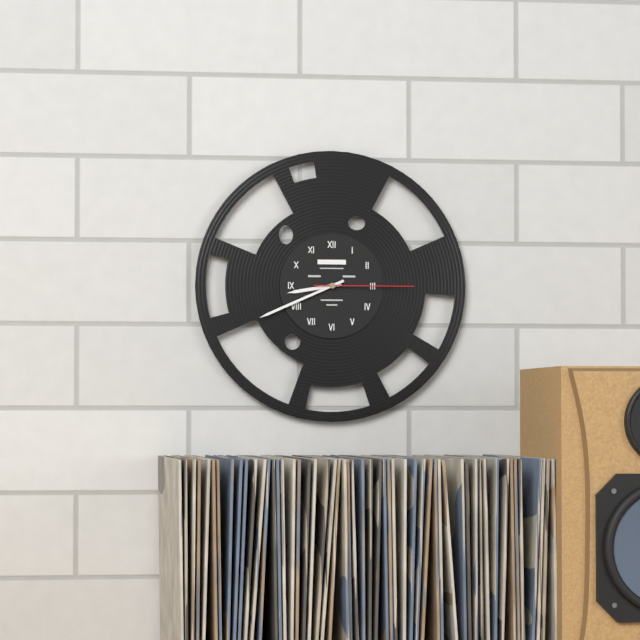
8:41:15
